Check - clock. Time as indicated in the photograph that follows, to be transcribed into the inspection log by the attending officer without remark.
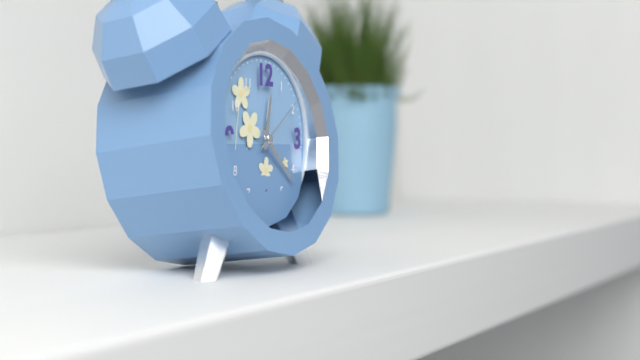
12:22:09
